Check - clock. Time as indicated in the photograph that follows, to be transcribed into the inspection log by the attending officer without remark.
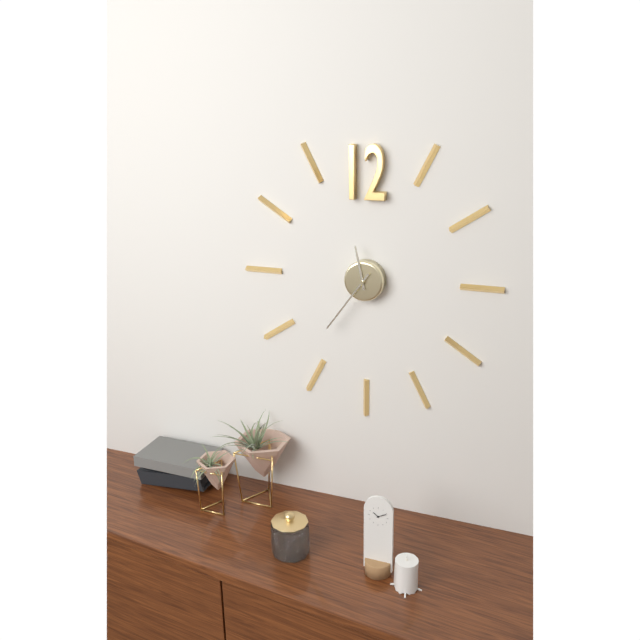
11:36
